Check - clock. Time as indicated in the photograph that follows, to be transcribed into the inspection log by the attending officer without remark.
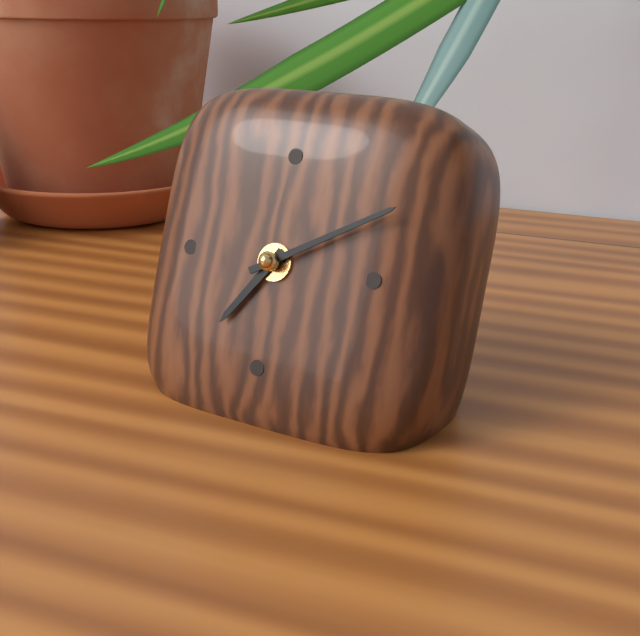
7:10
